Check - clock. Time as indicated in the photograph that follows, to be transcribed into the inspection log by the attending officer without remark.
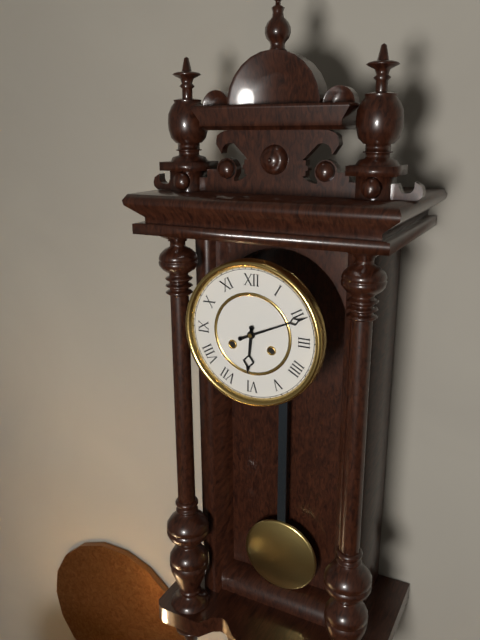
6:11
